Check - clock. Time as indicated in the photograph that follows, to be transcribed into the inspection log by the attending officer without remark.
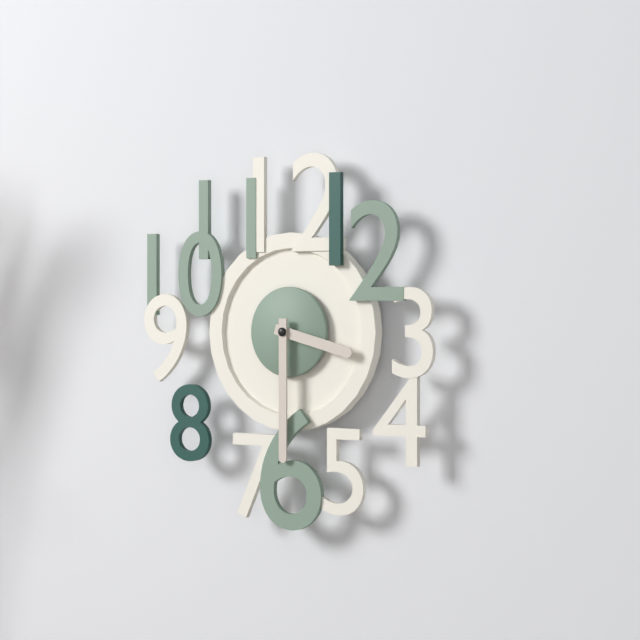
3:30
